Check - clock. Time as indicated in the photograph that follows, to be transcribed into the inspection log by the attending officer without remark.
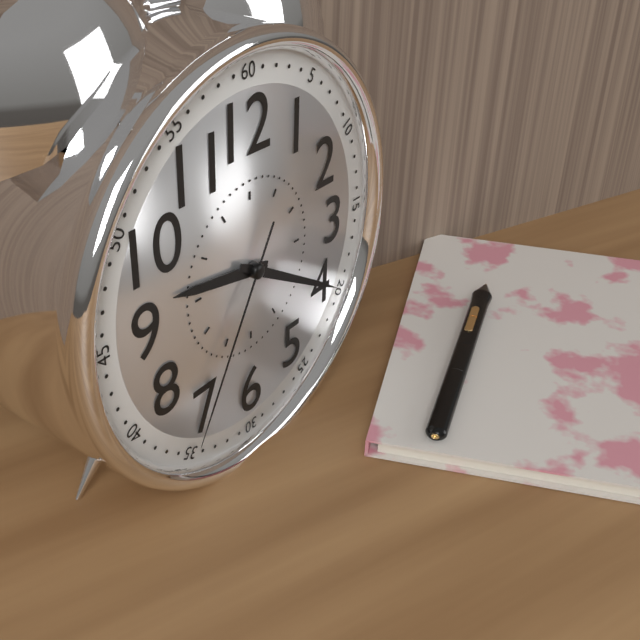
9:20:35
